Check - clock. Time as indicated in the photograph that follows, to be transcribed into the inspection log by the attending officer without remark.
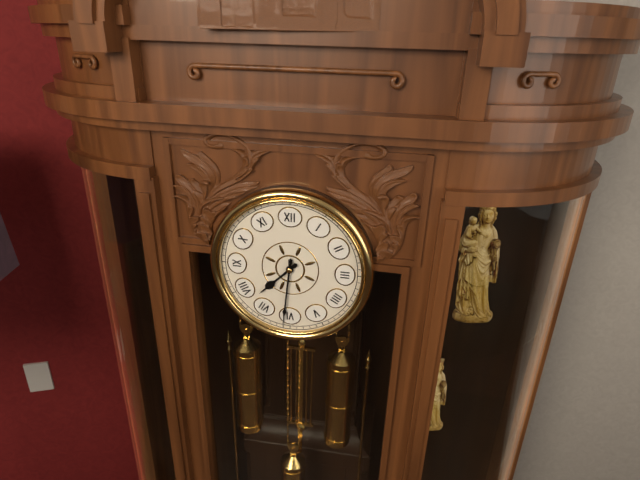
7:31
